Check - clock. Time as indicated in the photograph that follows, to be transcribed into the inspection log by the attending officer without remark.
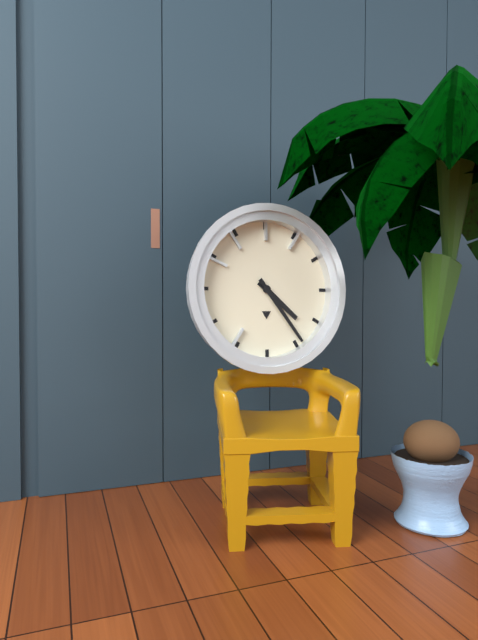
4:24
